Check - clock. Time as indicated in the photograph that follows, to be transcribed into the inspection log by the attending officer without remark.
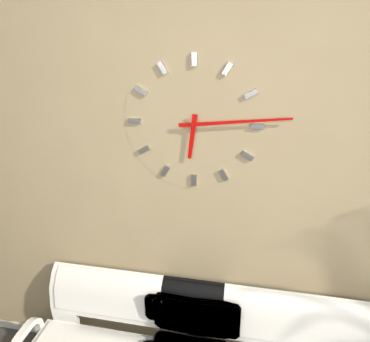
6:14
